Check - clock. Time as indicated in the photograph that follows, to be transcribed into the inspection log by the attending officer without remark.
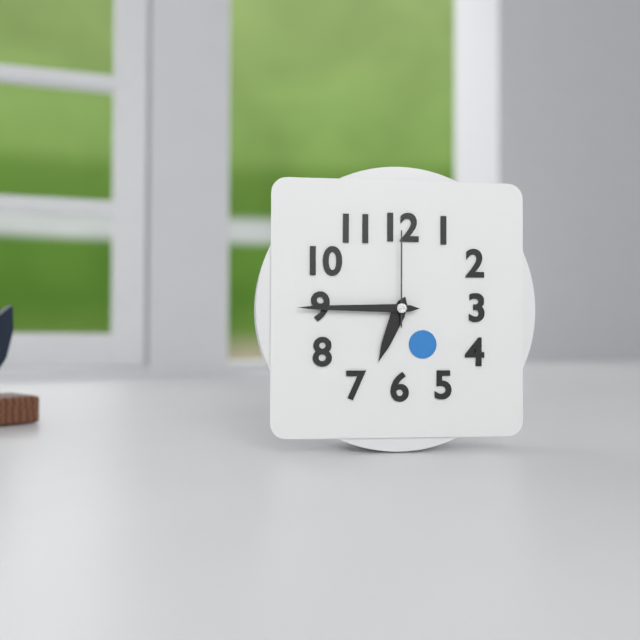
6:45:00
